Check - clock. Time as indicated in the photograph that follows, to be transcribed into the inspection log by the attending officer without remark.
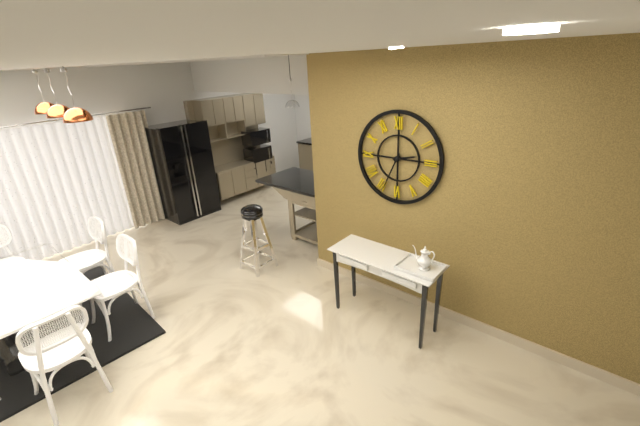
2:34
